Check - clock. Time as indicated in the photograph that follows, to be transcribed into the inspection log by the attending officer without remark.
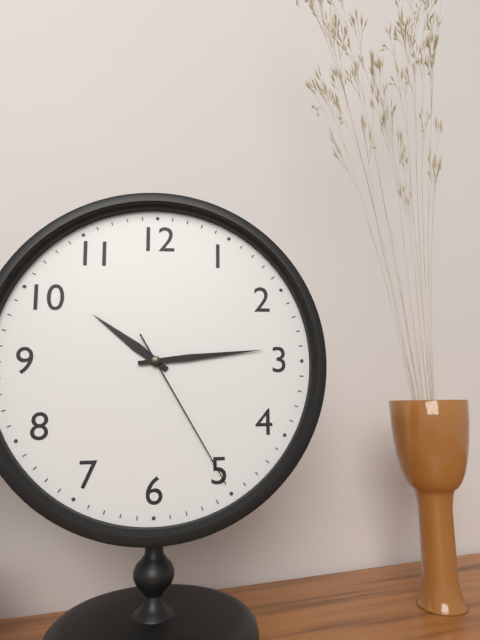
10:14:25
